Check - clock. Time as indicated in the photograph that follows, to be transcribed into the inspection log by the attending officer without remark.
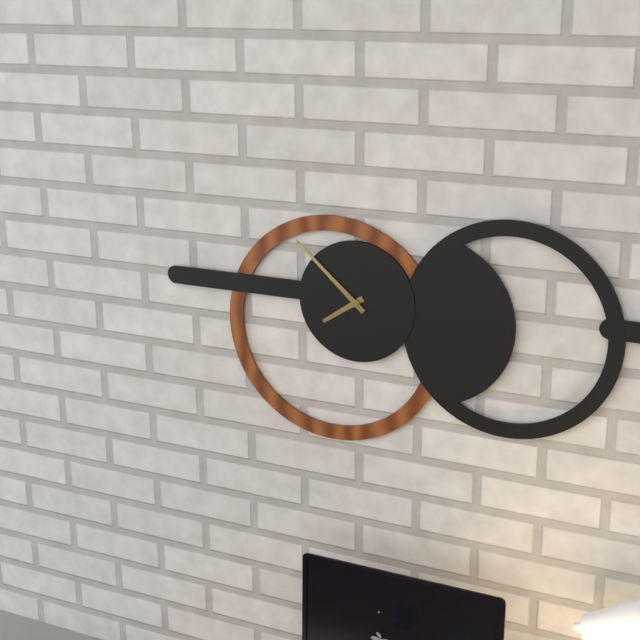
7:52
